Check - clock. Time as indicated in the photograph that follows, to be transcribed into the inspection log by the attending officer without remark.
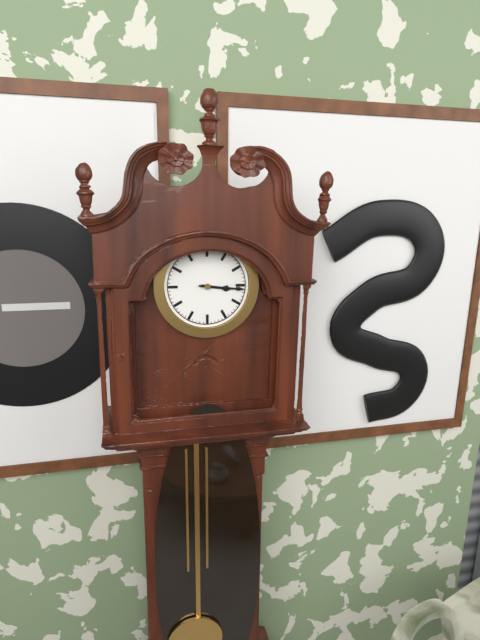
3:16
